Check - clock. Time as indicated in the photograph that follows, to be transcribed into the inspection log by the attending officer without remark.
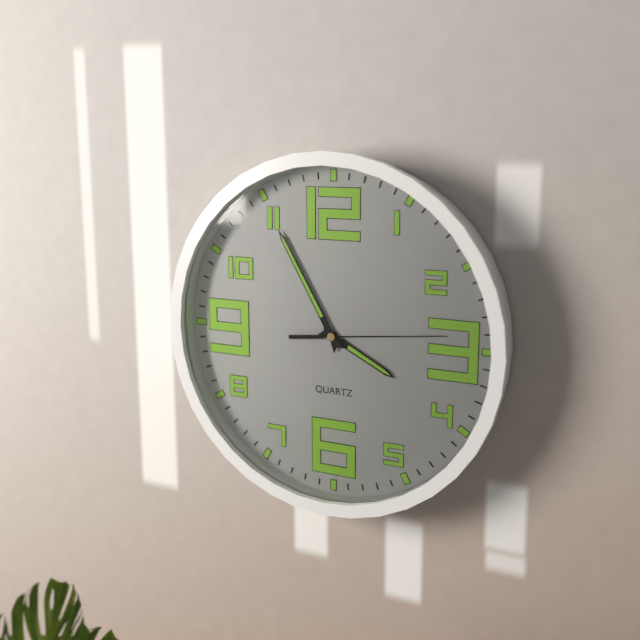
3:55:14
